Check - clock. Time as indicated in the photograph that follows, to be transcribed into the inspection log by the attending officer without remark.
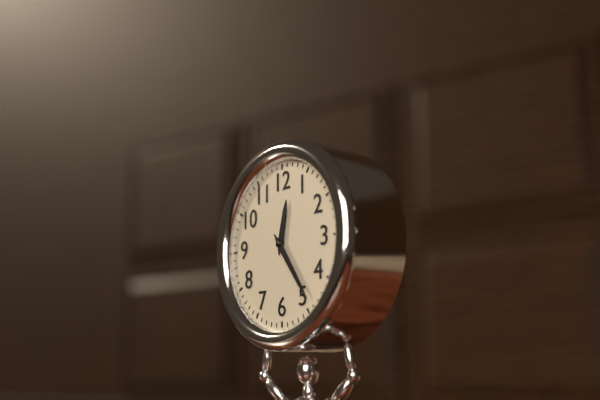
12:24
